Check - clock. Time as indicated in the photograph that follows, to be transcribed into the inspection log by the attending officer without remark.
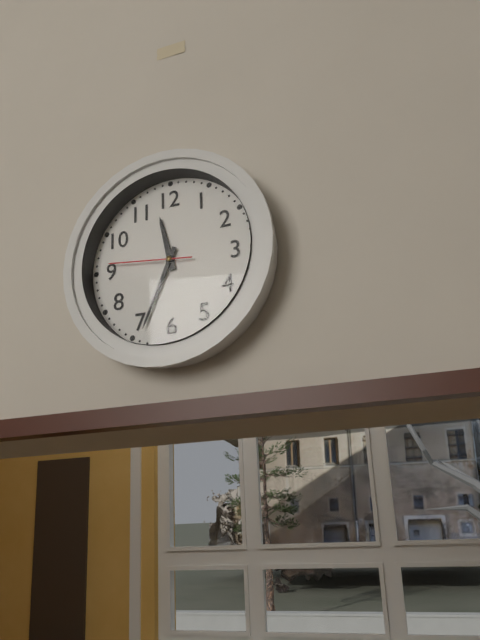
11:34:46
